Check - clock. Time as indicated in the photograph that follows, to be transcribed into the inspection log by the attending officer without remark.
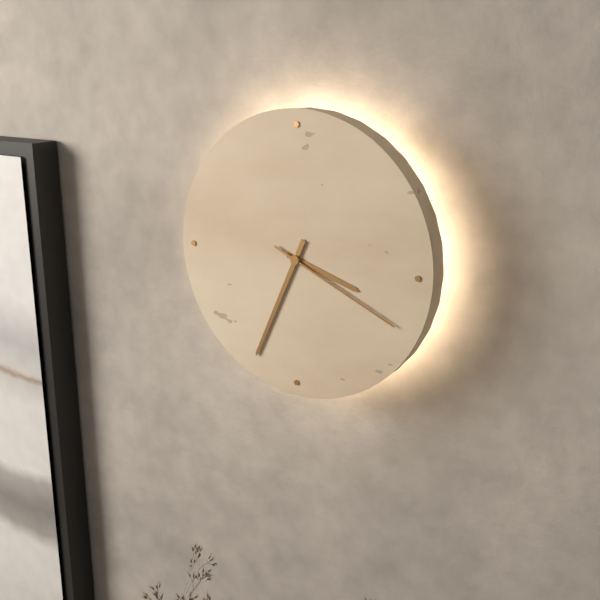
3:34:19
